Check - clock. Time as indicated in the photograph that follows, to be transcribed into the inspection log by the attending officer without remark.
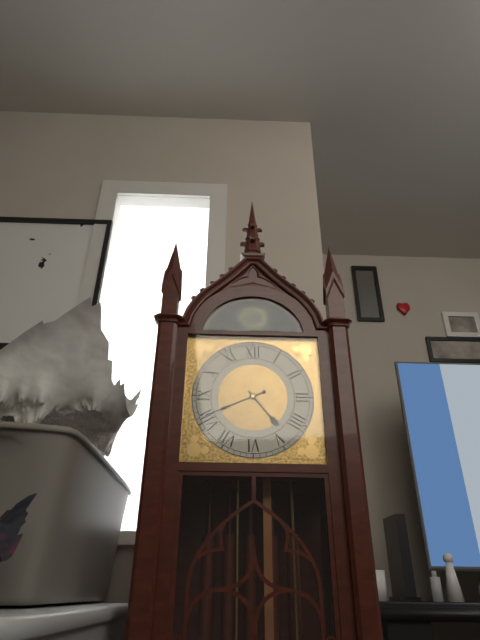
4:41
